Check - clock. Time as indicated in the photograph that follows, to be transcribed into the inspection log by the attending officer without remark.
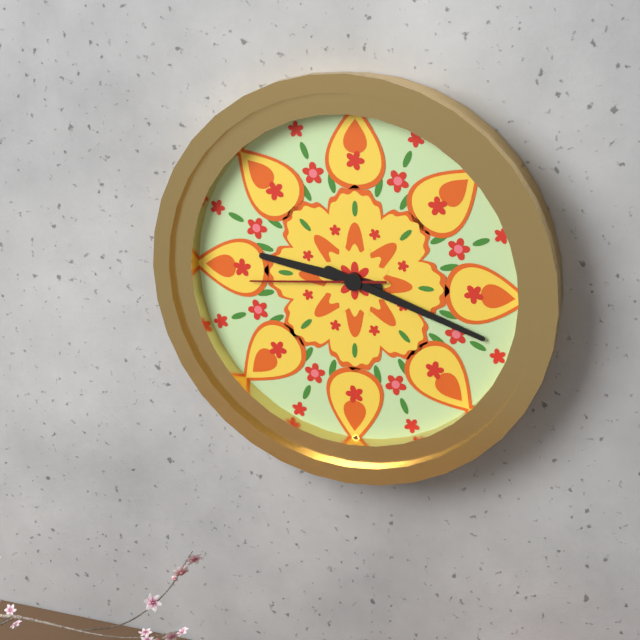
9:18:44
